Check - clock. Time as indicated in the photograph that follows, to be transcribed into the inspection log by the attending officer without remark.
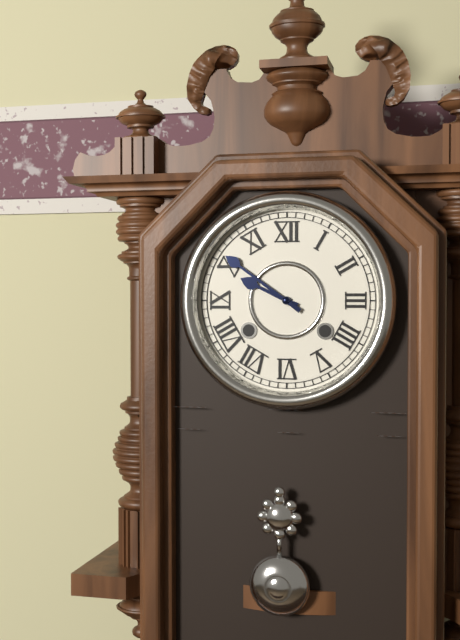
9:51
